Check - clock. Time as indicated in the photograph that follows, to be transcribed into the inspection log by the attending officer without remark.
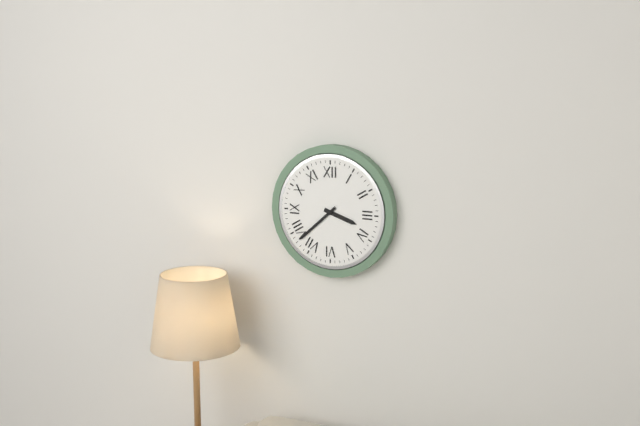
3:38
